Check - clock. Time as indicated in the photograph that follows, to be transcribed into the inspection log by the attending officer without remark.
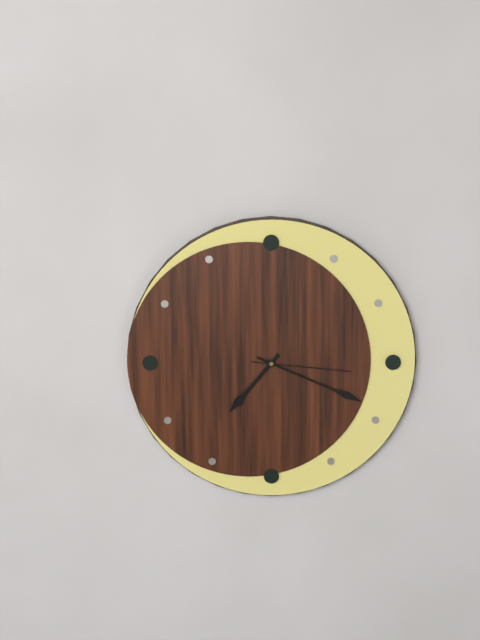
7:19:16
